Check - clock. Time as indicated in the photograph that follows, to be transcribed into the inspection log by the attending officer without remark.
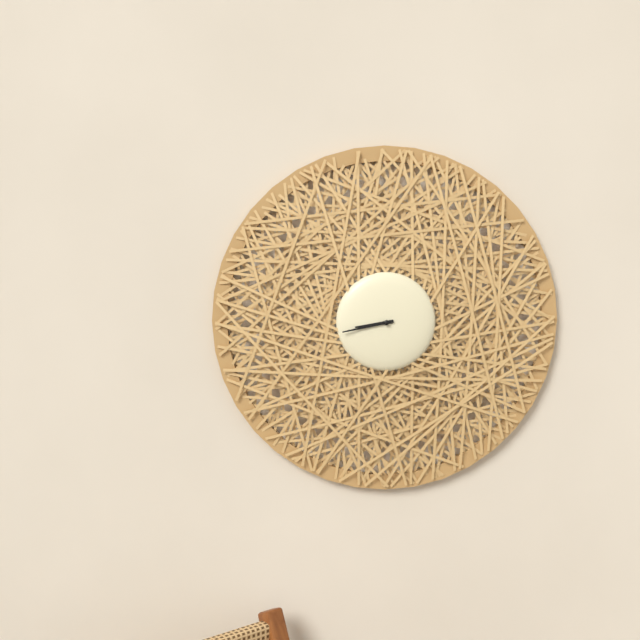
8:43
